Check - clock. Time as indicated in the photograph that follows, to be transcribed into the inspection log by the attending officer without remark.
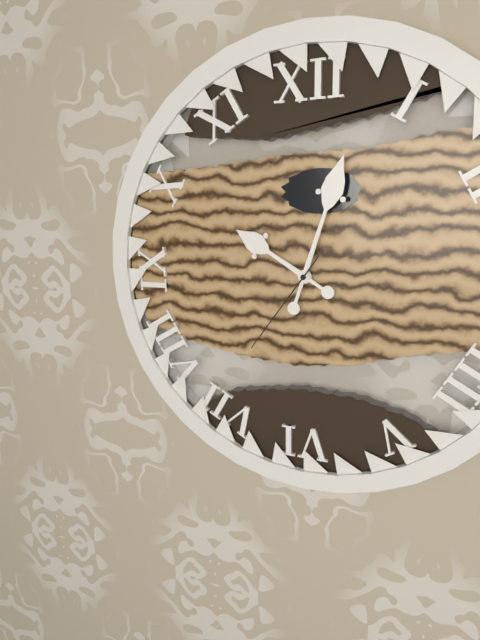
10:03:36
